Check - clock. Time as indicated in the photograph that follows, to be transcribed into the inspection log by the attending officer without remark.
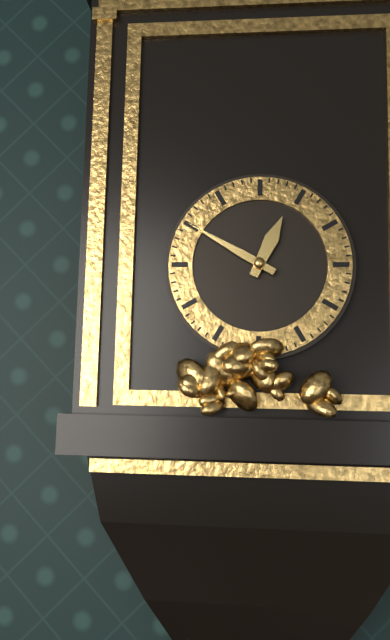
12:50
